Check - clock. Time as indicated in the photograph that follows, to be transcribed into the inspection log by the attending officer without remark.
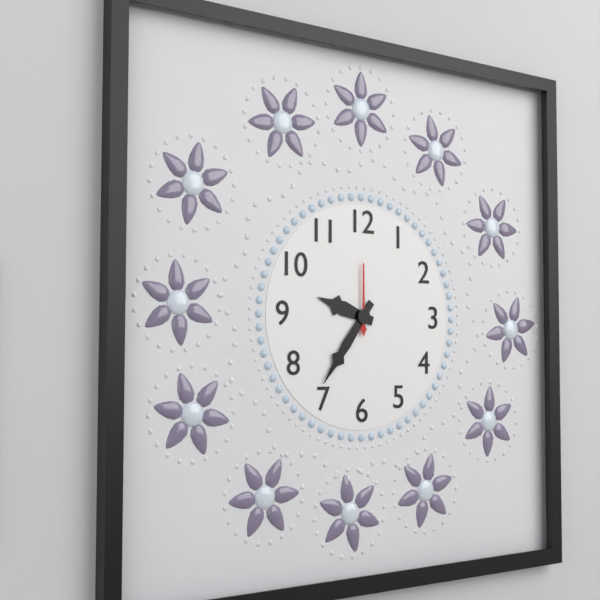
9:36:00
